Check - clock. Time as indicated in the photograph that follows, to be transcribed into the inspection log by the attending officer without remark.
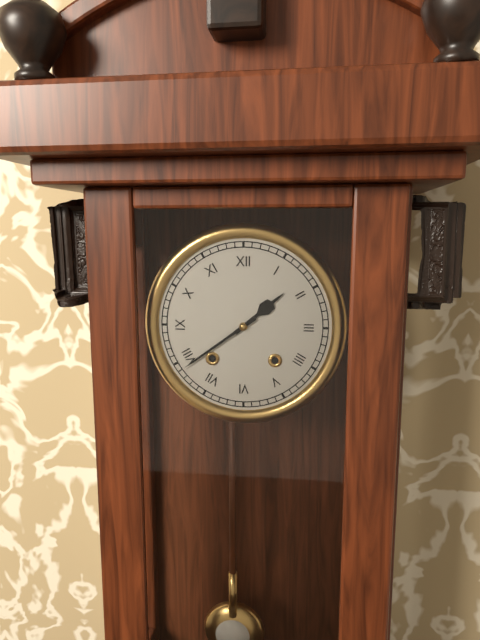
1:39
